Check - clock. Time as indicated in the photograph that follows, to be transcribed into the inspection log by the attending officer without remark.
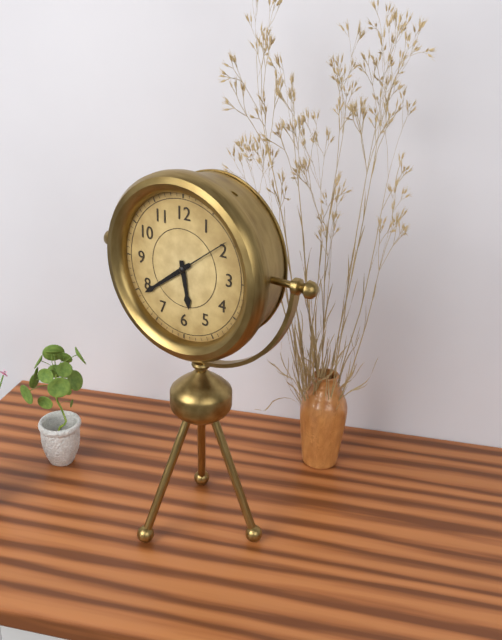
5:39:09
